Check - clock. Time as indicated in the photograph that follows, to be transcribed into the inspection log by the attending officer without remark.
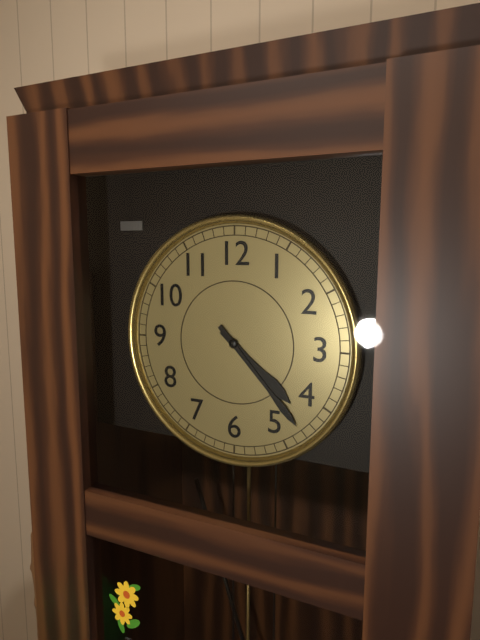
4:23
